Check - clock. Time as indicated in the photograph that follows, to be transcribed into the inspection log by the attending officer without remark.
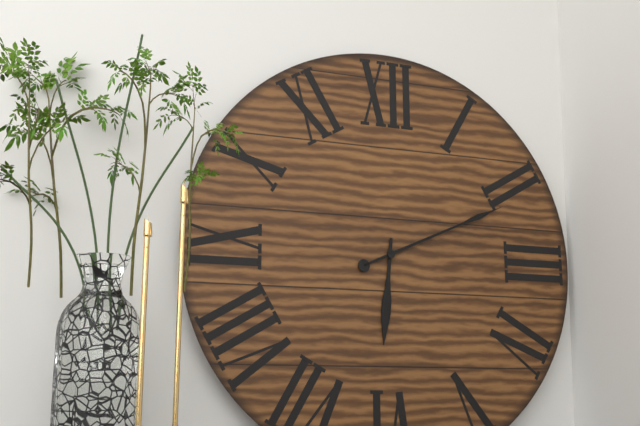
6:11
